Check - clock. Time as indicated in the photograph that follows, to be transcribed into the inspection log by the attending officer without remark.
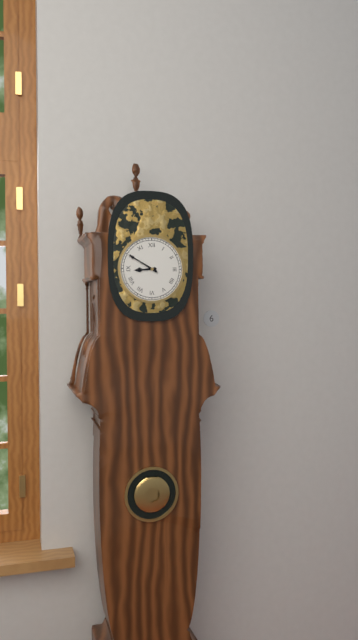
8:50
